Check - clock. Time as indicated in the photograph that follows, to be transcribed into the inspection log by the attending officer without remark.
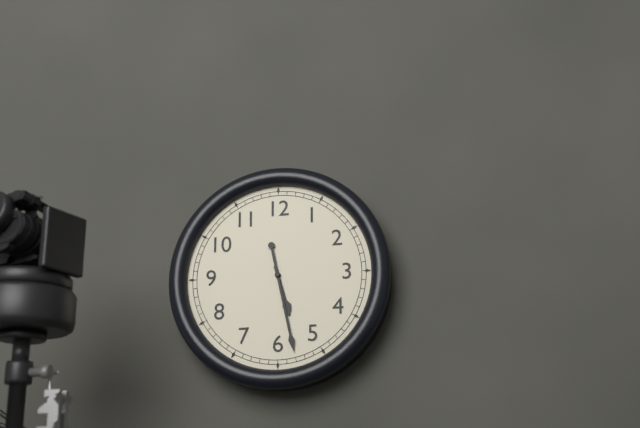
5:28
